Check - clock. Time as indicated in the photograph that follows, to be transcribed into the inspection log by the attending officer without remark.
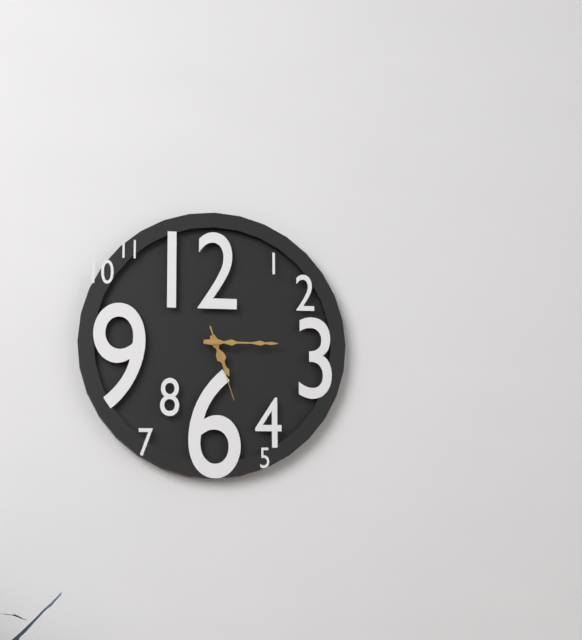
5:15:27
